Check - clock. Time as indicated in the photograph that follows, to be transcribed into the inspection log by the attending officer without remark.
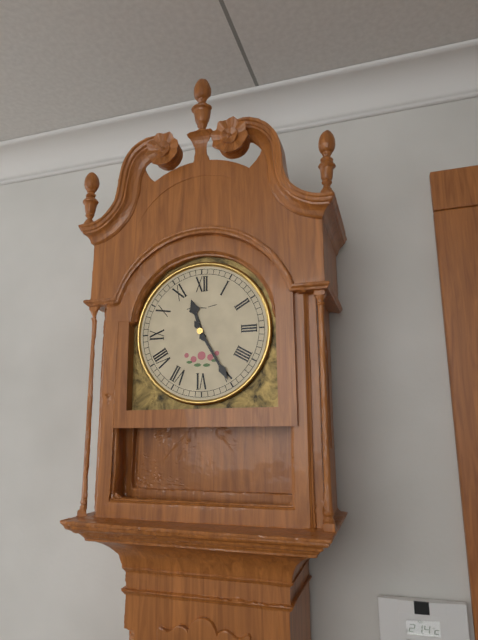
11:25
